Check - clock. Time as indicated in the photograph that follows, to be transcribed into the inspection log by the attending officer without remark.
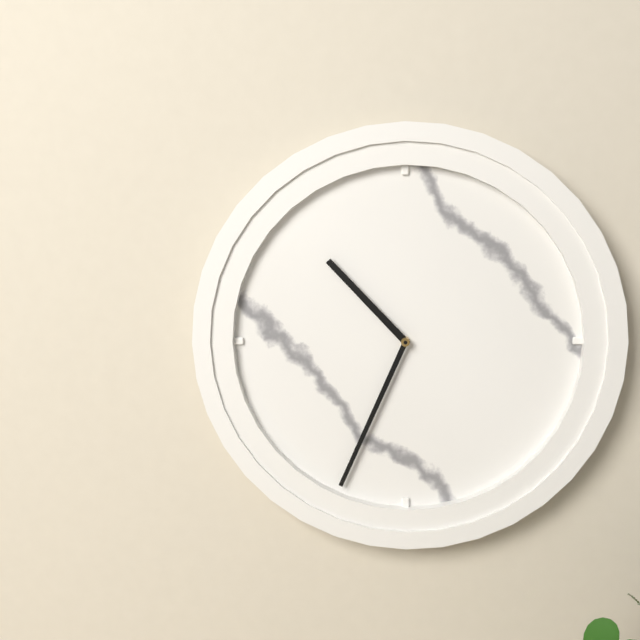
10:34
